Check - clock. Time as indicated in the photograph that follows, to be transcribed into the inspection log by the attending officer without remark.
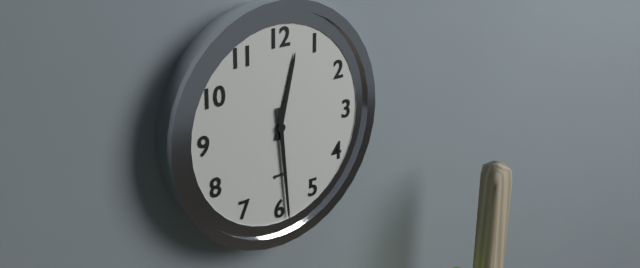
12:29
